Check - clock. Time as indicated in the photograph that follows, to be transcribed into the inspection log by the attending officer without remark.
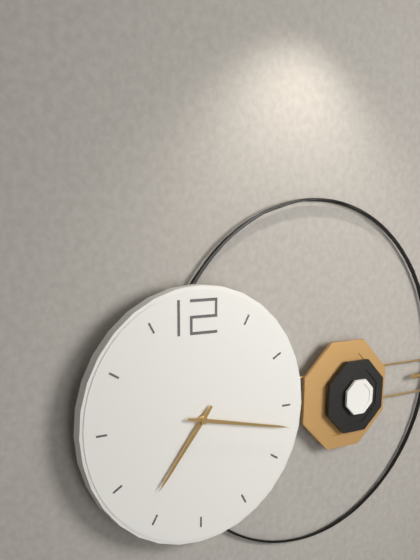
7:17
